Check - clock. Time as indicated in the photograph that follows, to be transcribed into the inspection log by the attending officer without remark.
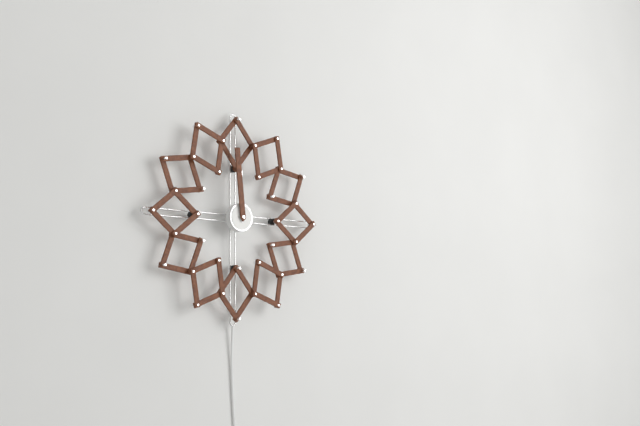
11:59
